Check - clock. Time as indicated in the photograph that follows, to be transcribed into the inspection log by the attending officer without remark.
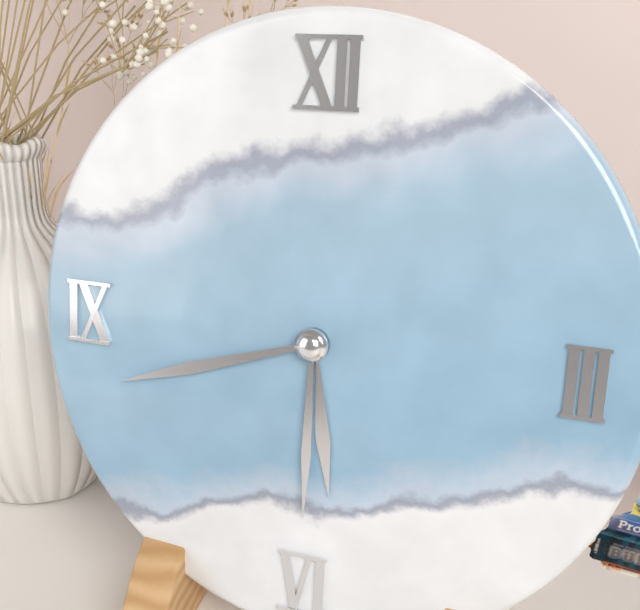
5:42:30
